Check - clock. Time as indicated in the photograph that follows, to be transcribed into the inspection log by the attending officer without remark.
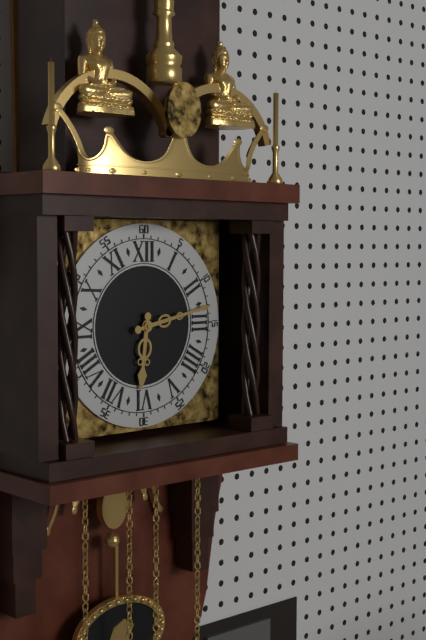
6:13
